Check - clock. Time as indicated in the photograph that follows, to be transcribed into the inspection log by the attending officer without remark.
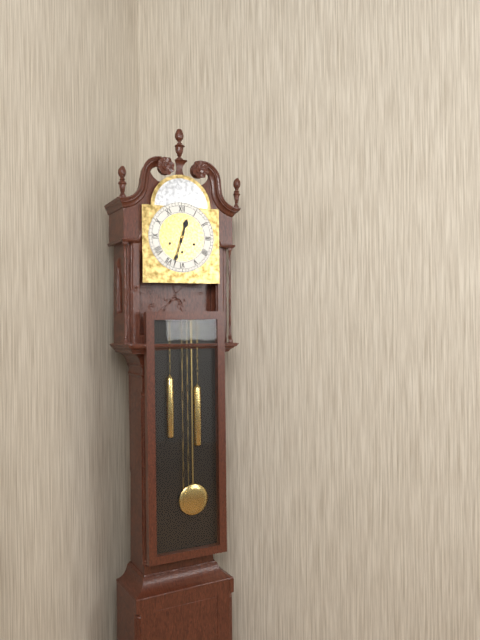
12:33
